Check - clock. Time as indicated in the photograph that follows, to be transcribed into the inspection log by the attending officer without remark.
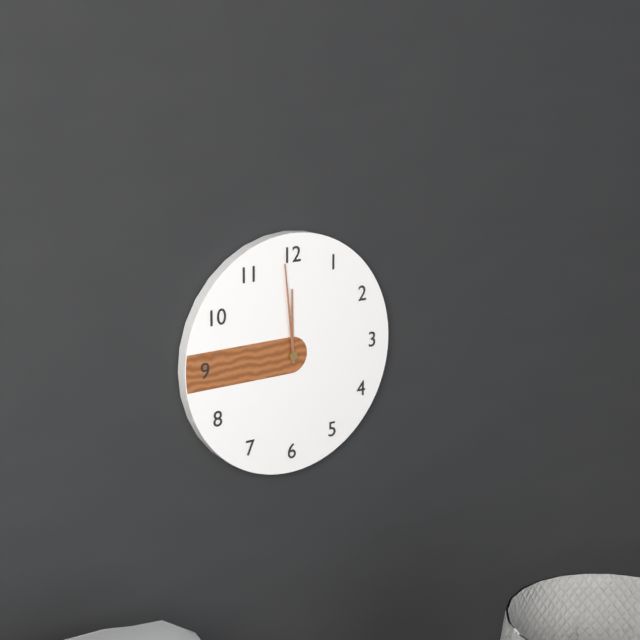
11:59
